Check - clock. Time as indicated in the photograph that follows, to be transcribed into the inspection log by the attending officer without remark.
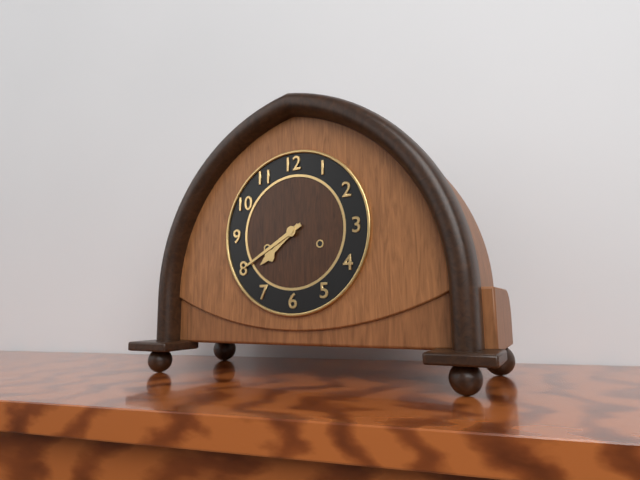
7:40
